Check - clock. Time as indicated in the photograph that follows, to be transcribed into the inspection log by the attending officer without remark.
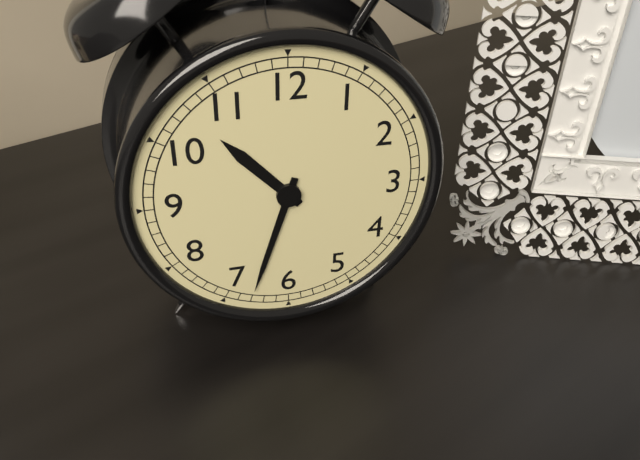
10:33
